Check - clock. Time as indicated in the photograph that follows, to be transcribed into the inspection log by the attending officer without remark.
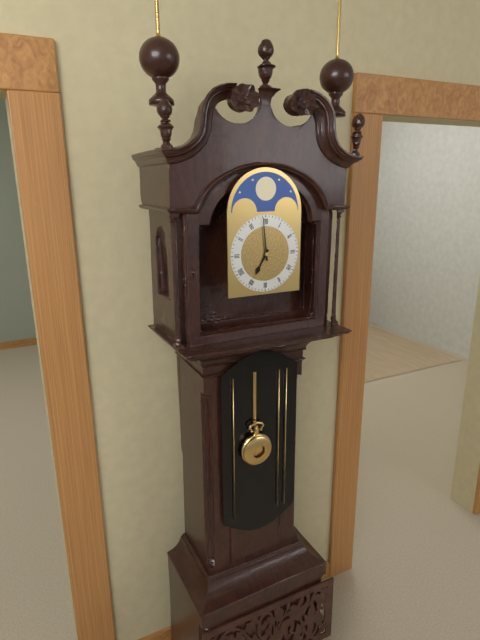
6:59
